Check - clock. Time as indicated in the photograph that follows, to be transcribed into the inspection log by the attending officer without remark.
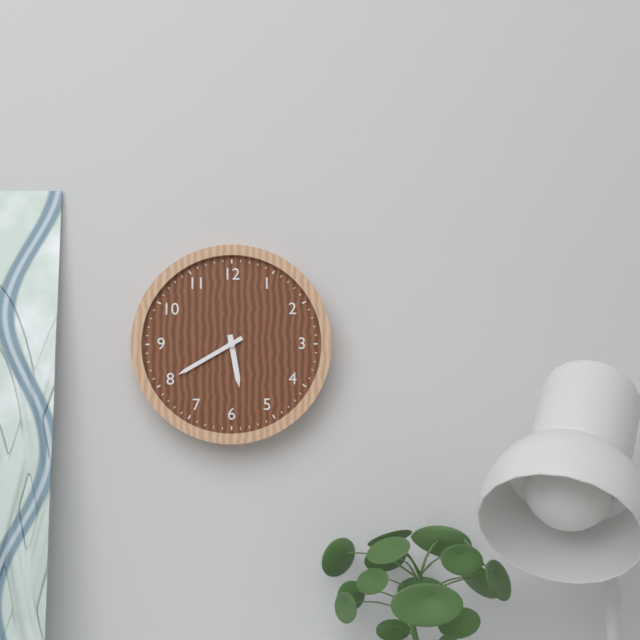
5:40
